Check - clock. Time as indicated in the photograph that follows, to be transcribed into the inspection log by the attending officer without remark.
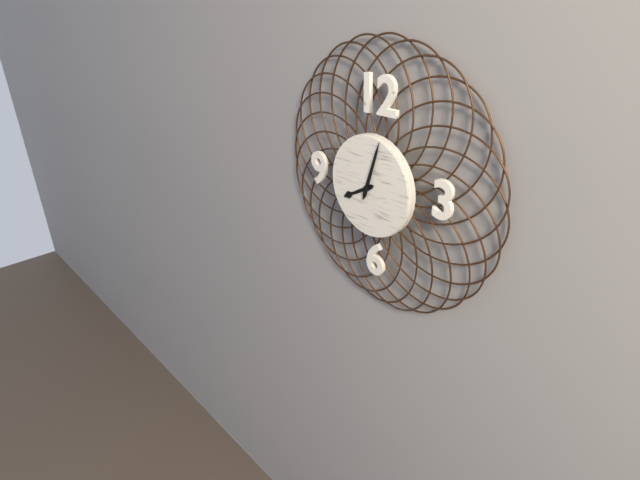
8:03
